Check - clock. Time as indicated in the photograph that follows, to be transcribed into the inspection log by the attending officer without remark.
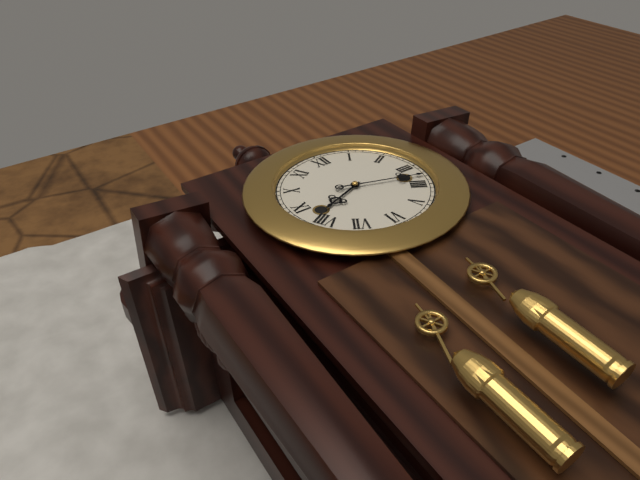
8:18
